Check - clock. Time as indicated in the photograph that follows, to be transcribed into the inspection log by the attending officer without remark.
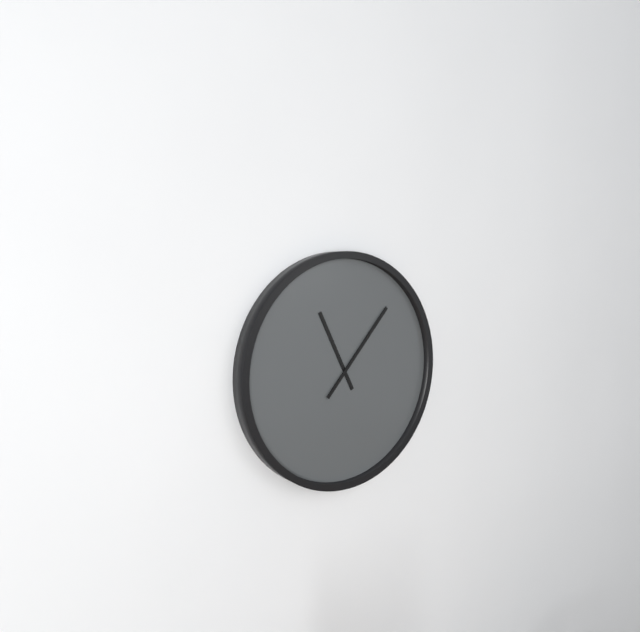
11:07
